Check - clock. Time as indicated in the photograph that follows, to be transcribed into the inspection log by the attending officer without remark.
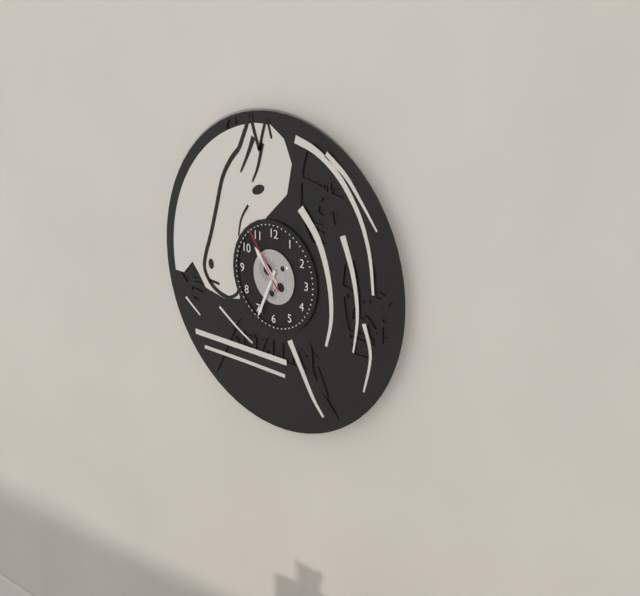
10:34:54
